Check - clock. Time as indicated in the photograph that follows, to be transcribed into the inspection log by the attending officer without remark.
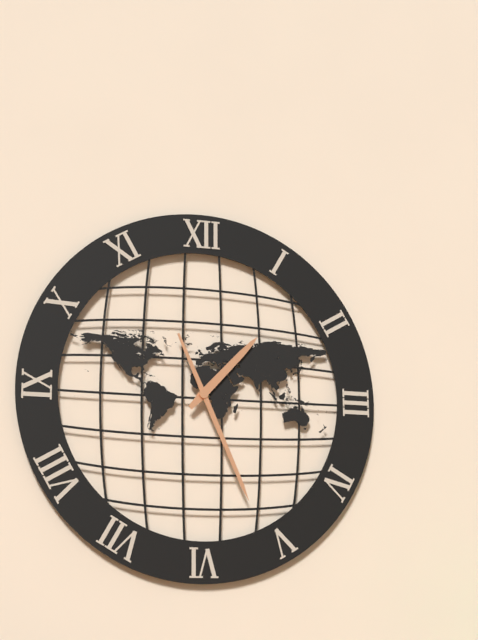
1:26
